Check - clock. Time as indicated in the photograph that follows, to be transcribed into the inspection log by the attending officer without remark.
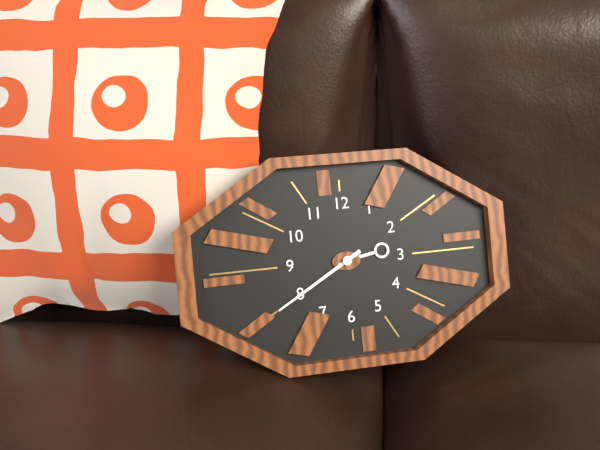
2:40
